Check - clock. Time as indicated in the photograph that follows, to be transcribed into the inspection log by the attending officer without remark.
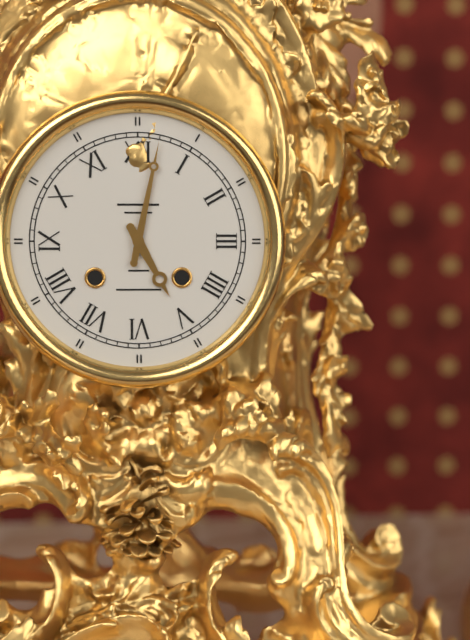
5:02
